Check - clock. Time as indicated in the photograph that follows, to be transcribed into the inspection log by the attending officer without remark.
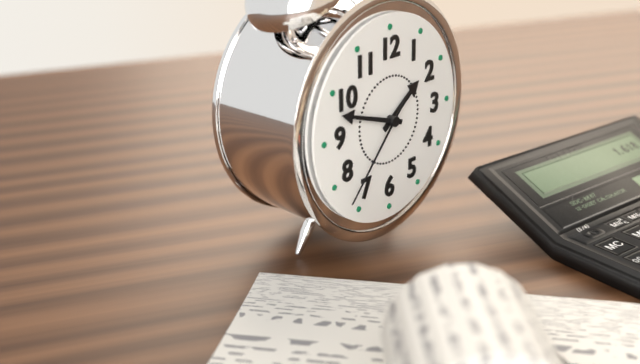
1:48:37
